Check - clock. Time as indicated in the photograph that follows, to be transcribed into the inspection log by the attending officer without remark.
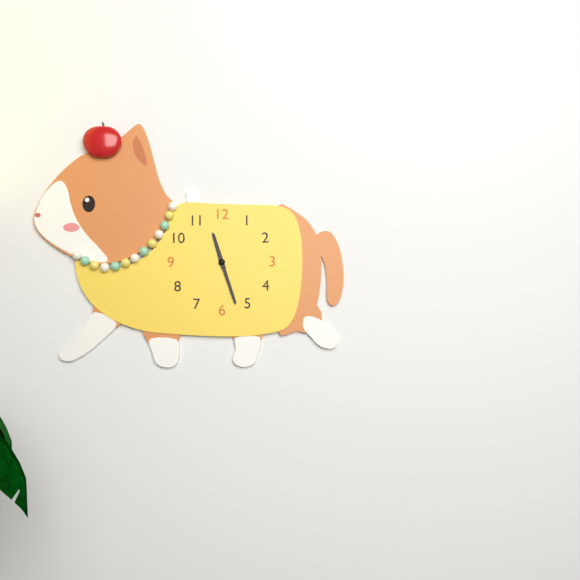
11:27
